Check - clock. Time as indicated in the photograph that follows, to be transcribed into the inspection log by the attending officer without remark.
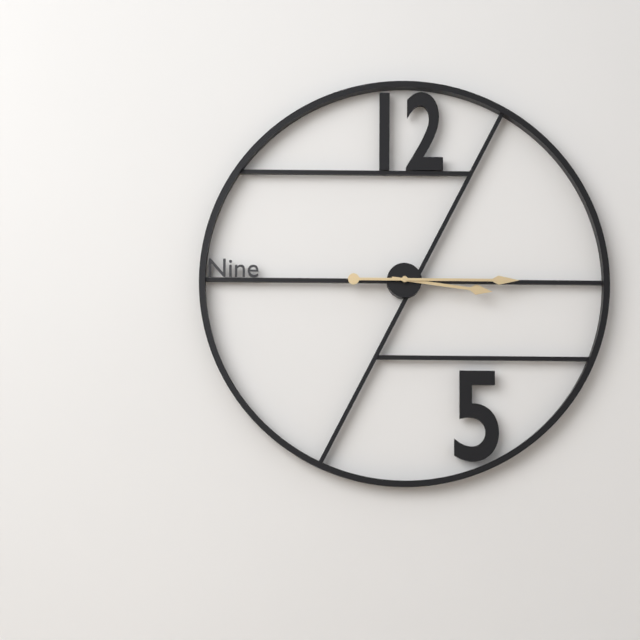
3:15
